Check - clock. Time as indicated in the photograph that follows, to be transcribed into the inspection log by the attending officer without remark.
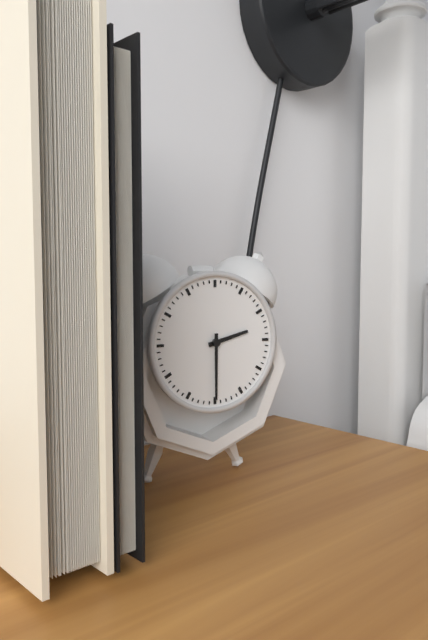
2:30
